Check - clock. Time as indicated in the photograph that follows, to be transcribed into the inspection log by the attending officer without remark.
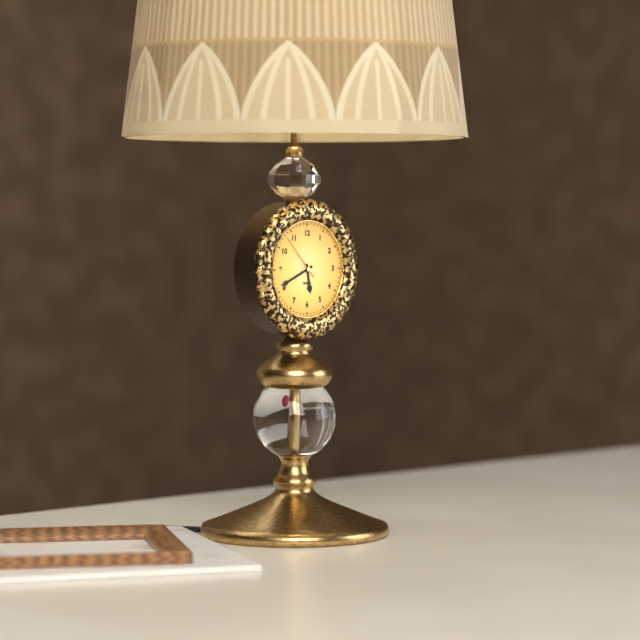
5:41
